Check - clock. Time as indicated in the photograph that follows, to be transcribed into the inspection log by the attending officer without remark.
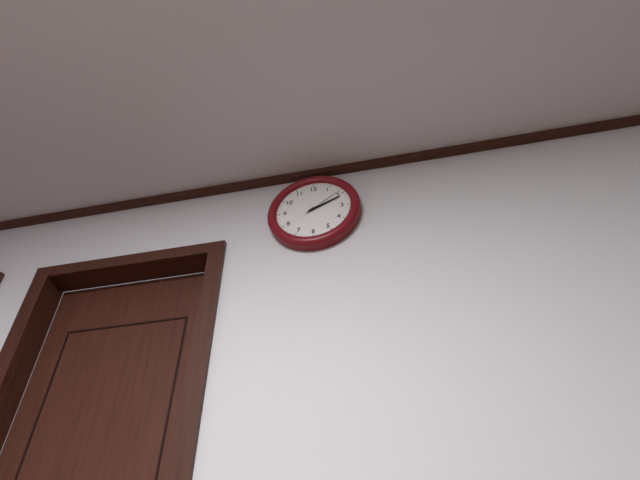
2:11
